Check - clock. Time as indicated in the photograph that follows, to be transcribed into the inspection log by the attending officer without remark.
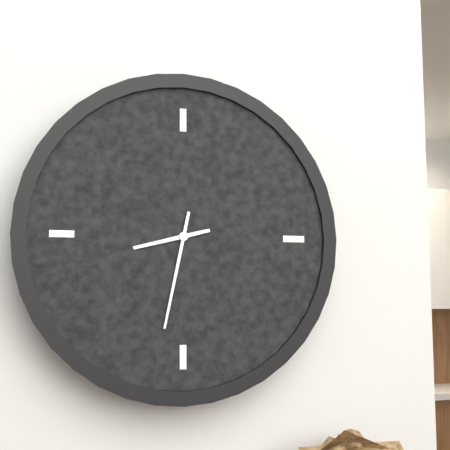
8:32
